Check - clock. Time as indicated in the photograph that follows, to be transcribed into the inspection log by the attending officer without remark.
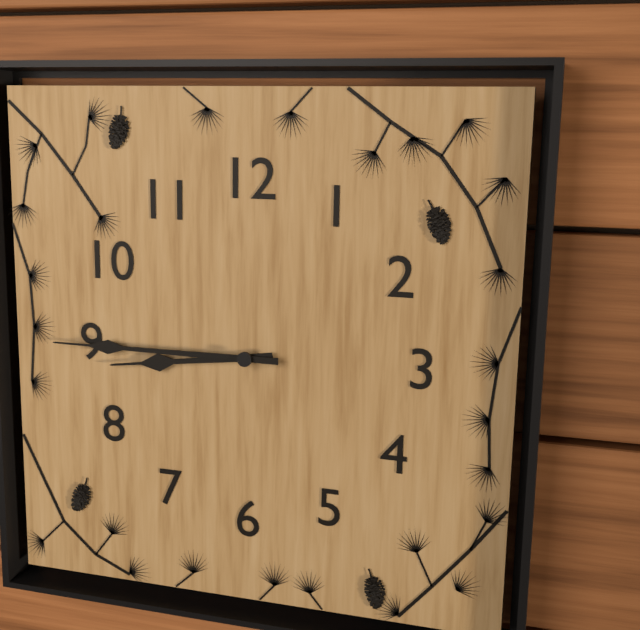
8:45
